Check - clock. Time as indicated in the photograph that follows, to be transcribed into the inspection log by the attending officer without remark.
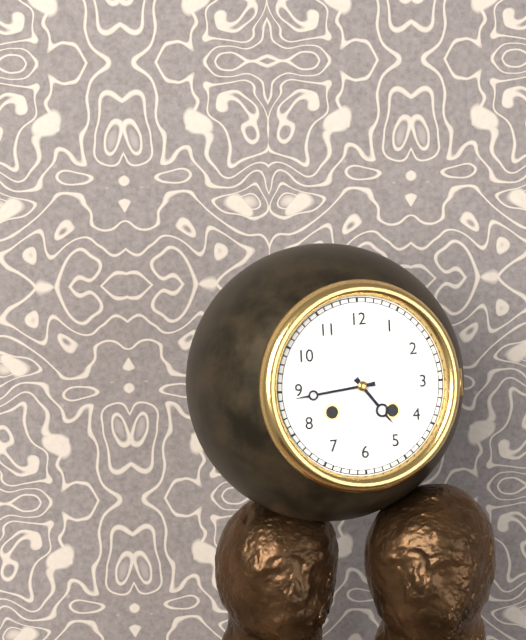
4:44
